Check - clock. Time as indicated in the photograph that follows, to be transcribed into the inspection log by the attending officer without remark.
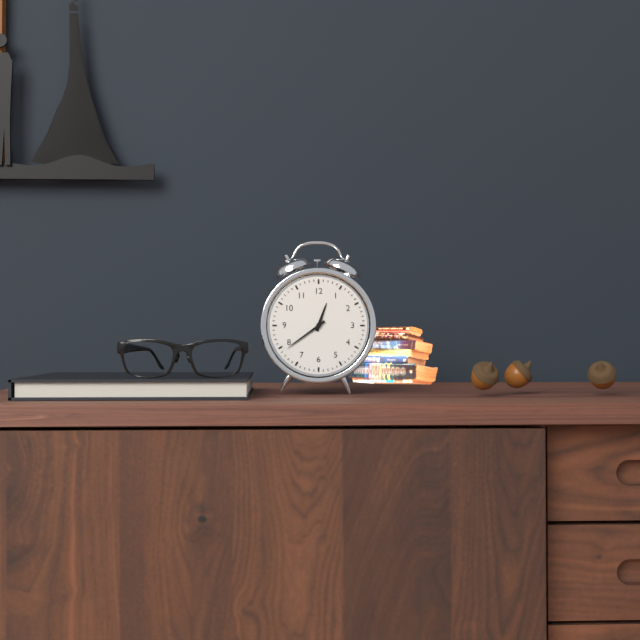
12:39
